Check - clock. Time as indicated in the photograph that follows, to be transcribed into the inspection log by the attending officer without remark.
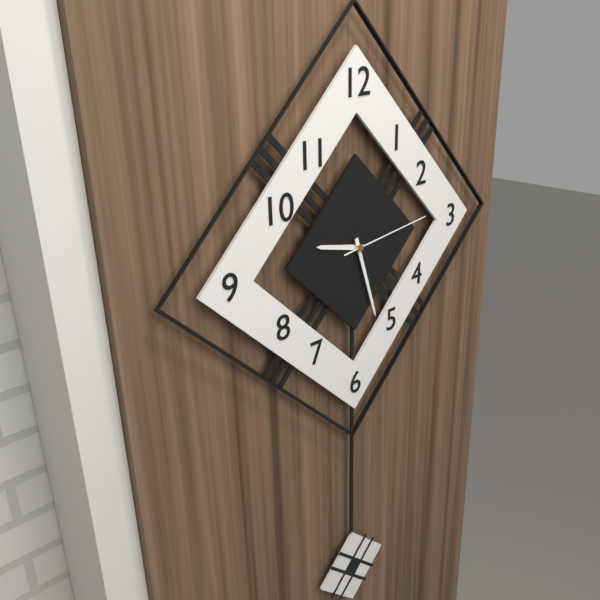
9:27:14
